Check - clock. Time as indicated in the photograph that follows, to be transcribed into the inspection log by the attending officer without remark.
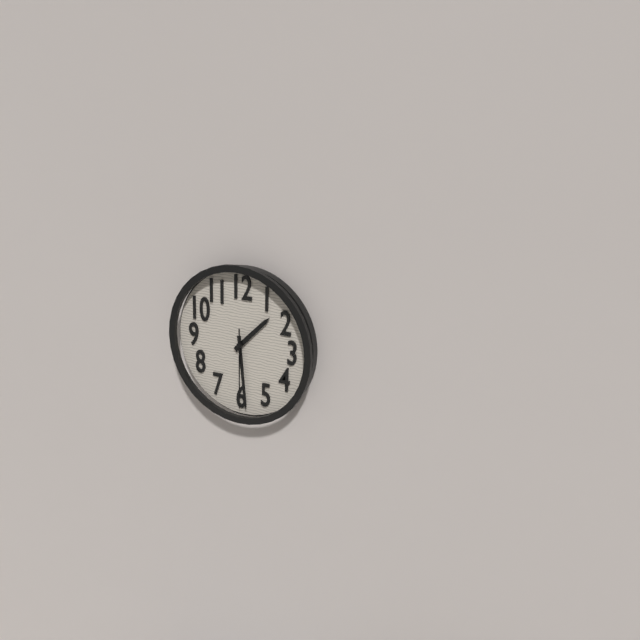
1:29:30
